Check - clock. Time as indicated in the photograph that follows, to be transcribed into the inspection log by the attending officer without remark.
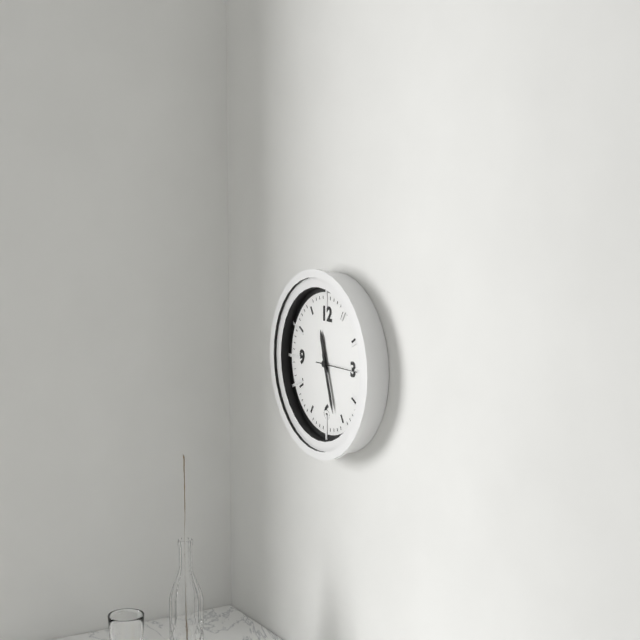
11:27
